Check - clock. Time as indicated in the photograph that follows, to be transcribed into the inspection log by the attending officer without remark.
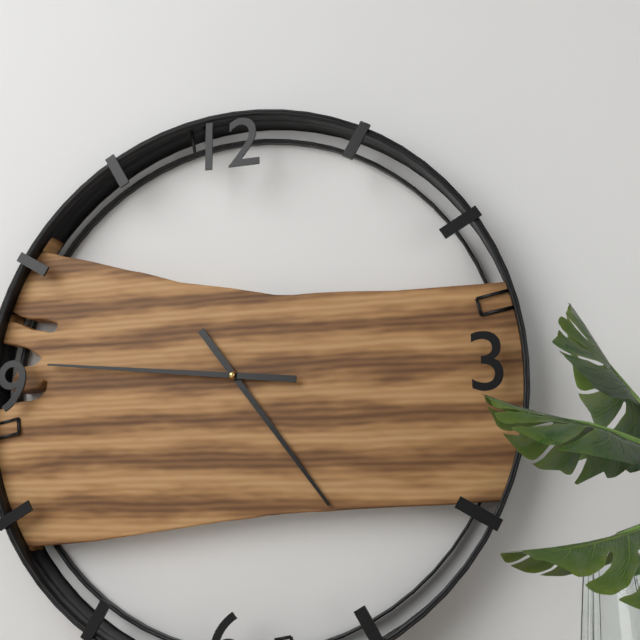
4:46
